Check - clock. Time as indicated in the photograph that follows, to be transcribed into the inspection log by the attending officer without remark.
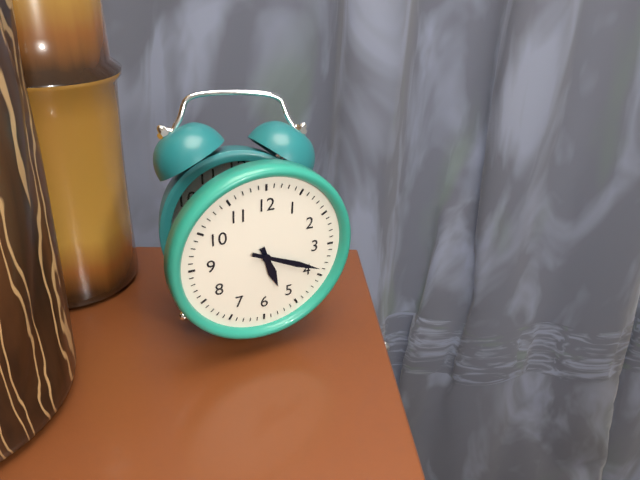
5:19
